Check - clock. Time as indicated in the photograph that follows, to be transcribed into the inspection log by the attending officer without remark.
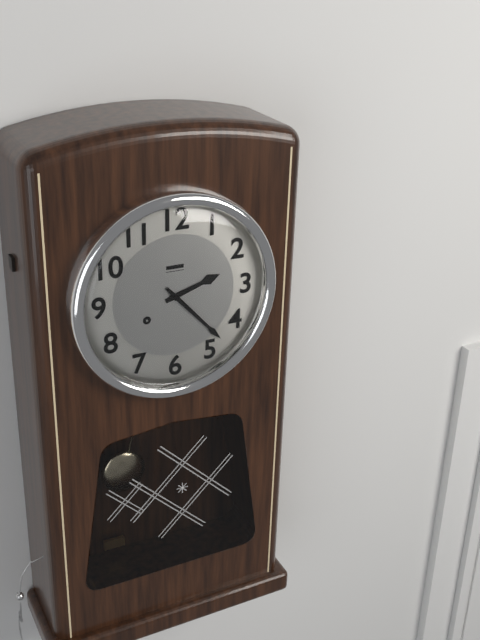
2:23
